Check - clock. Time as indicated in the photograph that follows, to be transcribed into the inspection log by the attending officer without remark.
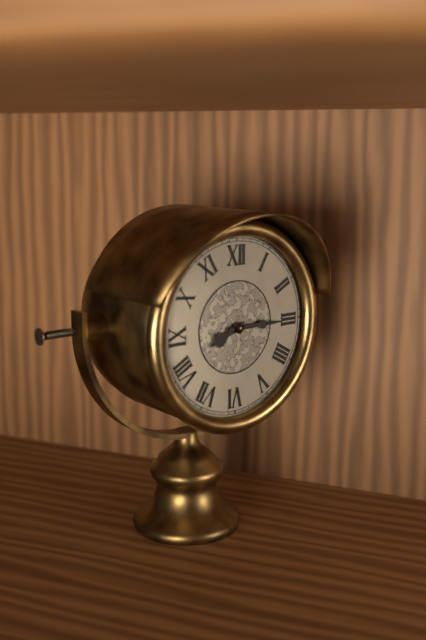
8:15
